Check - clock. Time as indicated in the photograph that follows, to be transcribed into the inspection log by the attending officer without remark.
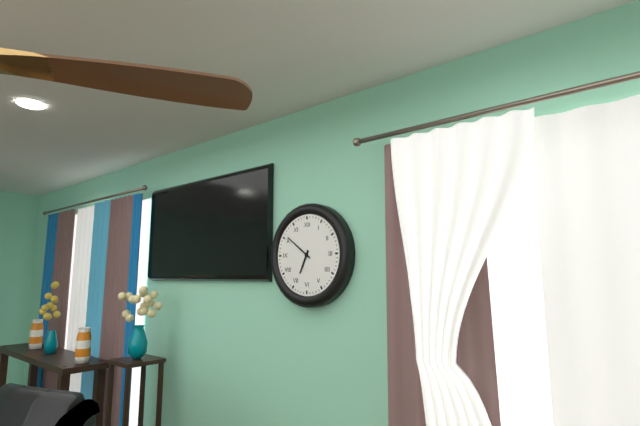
6:51
